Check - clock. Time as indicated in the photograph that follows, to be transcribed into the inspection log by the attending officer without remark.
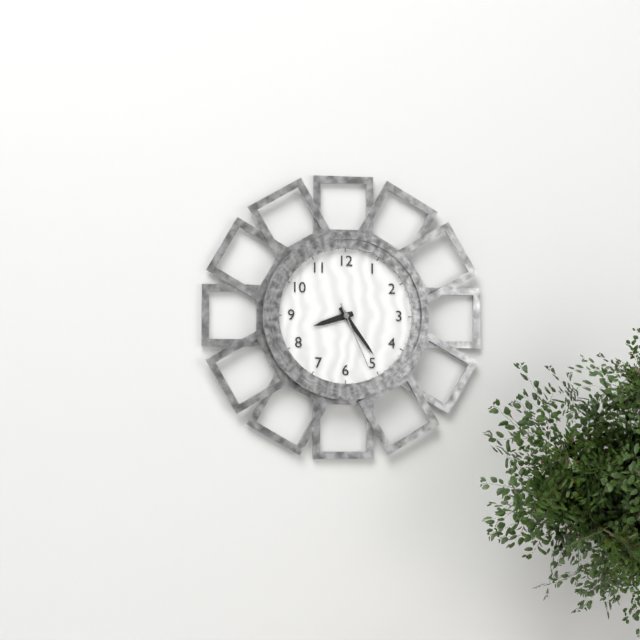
8:24:26
